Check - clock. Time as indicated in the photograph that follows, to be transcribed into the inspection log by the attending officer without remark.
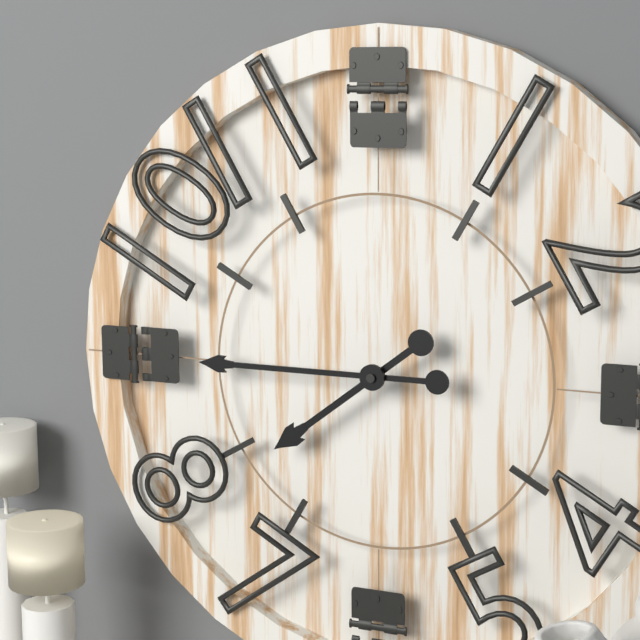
7:45
